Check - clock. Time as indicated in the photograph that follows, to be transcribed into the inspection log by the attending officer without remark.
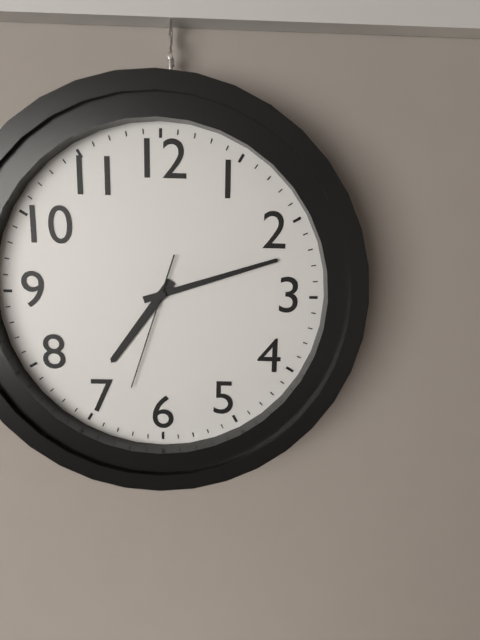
7:12:33
